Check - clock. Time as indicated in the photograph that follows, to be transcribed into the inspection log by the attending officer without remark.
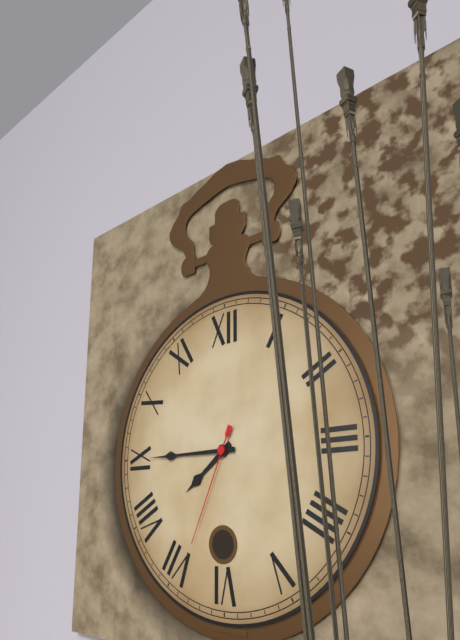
7:45:34
